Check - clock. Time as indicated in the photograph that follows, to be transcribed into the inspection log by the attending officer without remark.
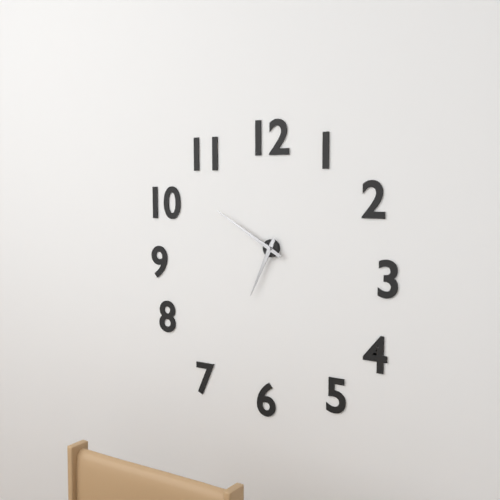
6:50
